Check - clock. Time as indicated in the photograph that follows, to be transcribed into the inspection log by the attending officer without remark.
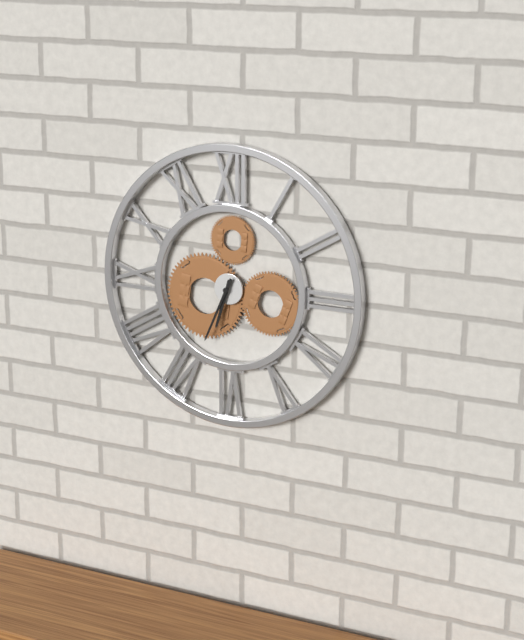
6:34
